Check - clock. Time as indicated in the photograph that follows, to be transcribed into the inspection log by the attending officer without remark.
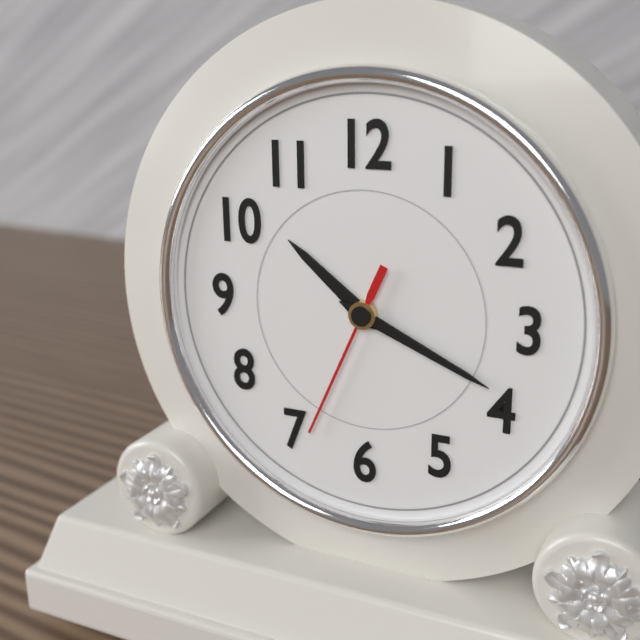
10:19:34
